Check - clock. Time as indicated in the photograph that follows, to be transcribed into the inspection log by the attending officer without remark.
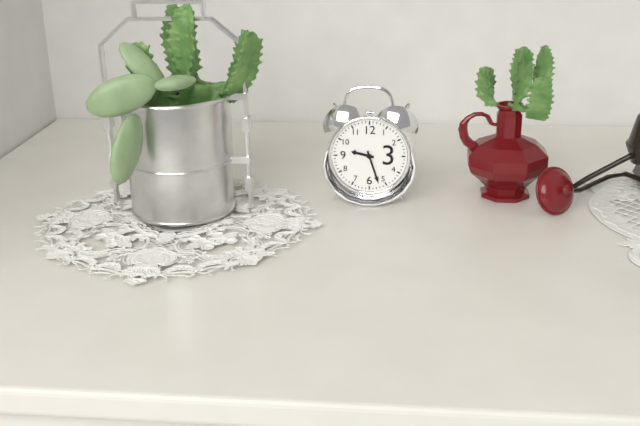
9:27
